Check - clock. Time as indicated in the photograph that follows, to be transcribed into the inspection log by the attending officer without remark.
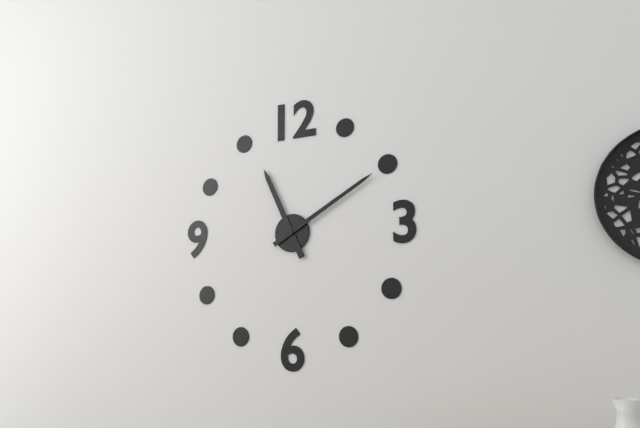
11:10
